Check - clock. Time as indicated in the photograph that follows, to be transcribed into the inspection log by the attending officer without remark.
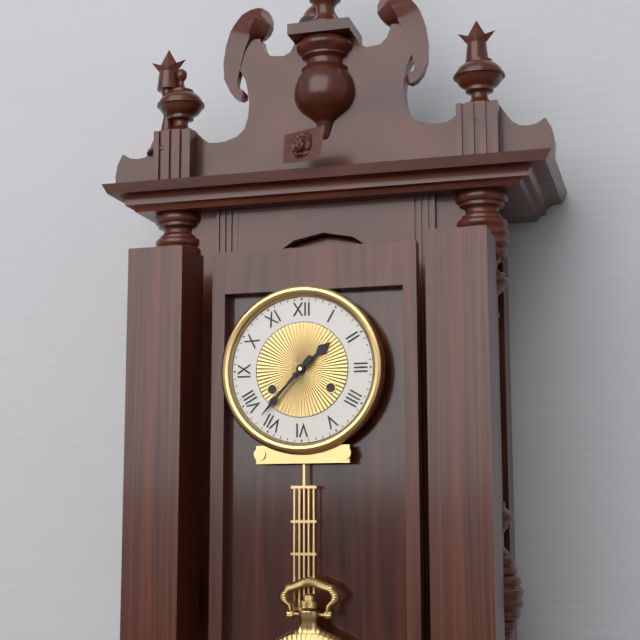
1:37
